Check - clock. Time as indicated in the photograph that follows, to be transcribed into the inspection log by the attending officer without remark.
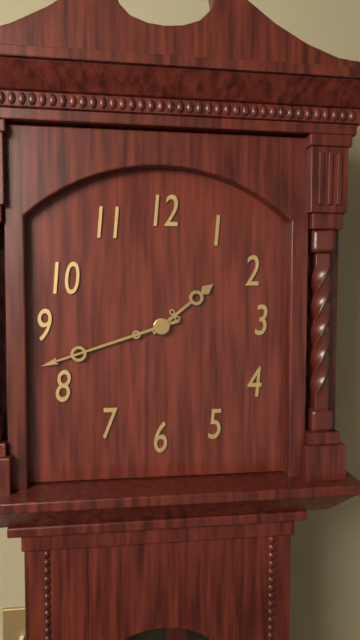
1:42
